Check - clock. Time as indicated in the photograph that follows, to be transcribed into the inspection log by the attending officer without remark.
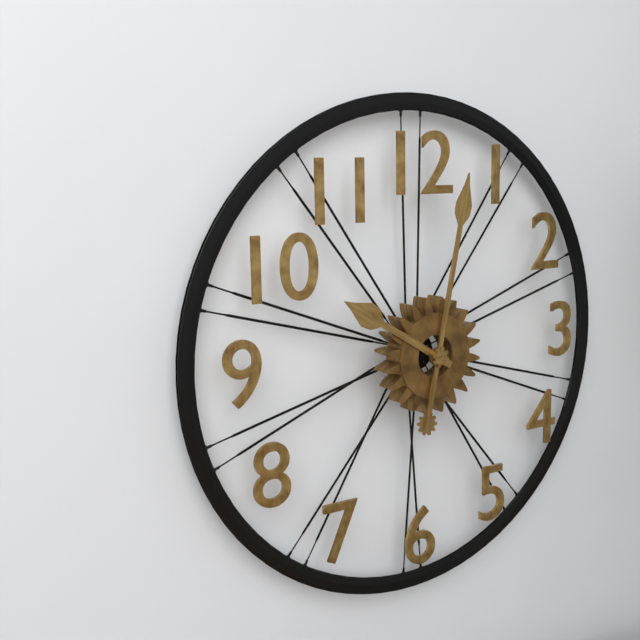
10:02
